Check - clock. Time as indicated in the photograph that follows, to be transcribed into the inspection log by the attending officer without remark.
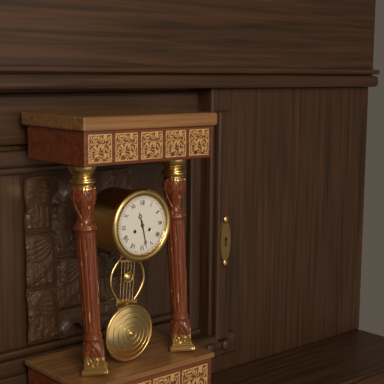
11:28
